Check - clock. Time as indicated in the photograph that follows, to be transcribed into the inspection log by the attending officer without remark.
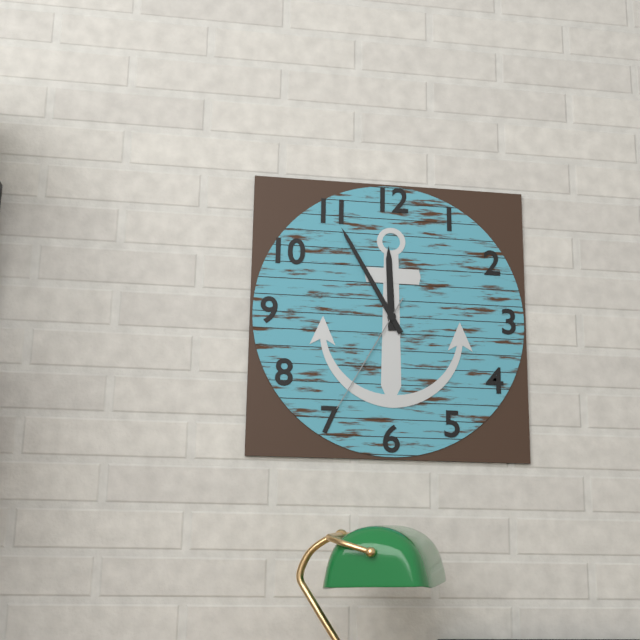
11:55:35
